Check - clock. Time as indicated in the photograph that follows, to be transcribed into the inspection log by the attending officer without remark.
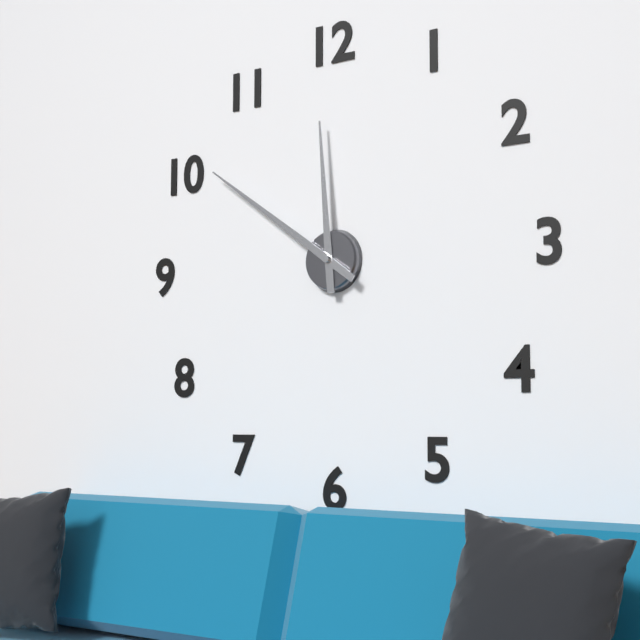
11:51
